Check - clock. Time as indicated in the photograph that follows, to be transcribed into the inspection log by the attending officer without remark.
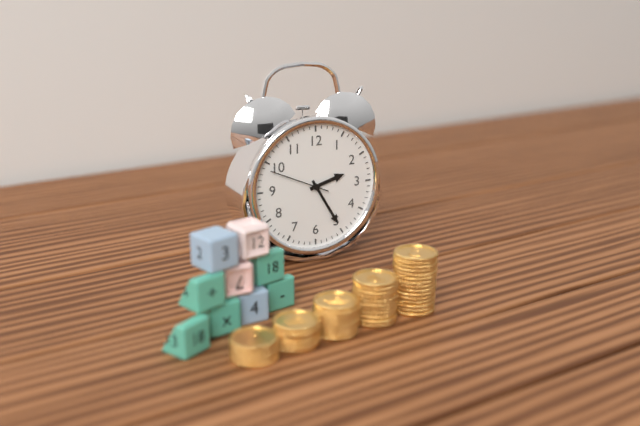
2:25:49
